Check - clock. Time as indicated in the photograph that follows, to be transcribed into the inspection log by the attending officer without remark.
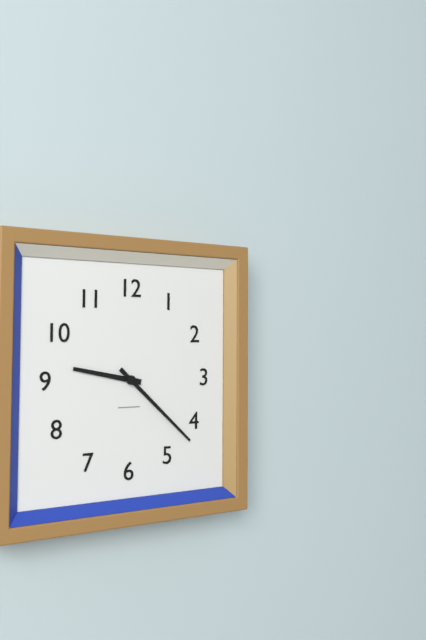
9:22
